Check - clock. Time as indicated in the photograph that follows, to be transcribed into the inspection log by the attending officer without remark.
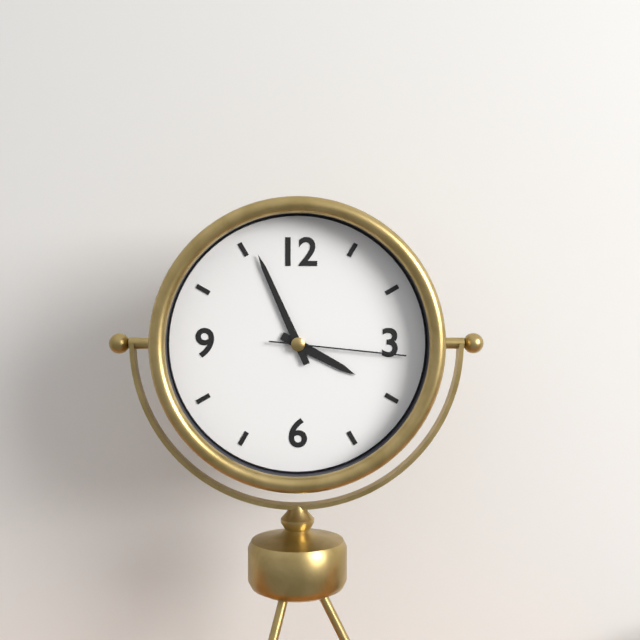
3:56:16
